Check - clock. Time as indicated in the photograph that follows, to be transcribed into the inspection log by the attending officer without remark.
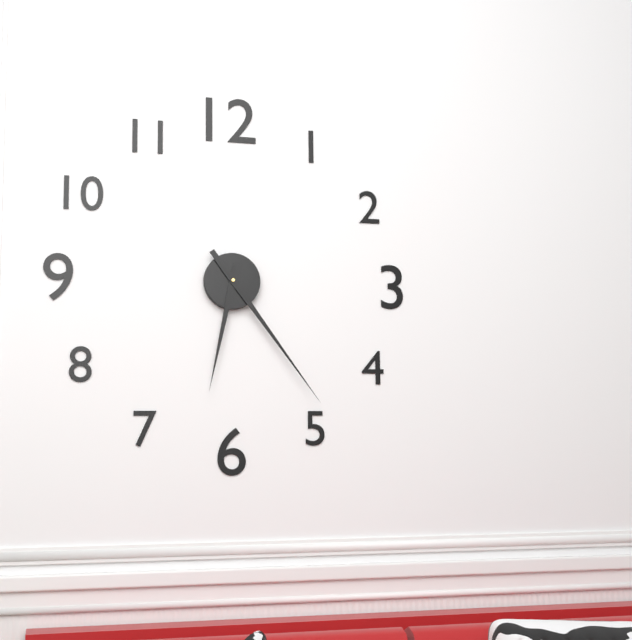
6:24
